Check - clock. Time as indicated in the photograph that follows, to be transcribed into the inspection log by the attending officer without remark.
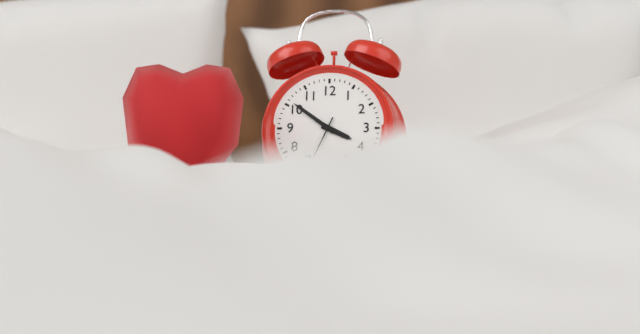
3:51
